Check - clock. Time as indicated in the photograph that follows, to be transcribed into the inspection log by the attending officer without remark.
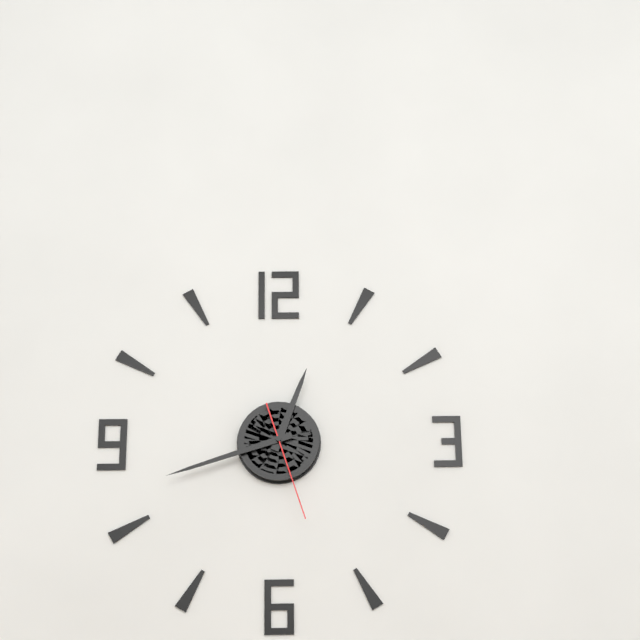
12:42:27
